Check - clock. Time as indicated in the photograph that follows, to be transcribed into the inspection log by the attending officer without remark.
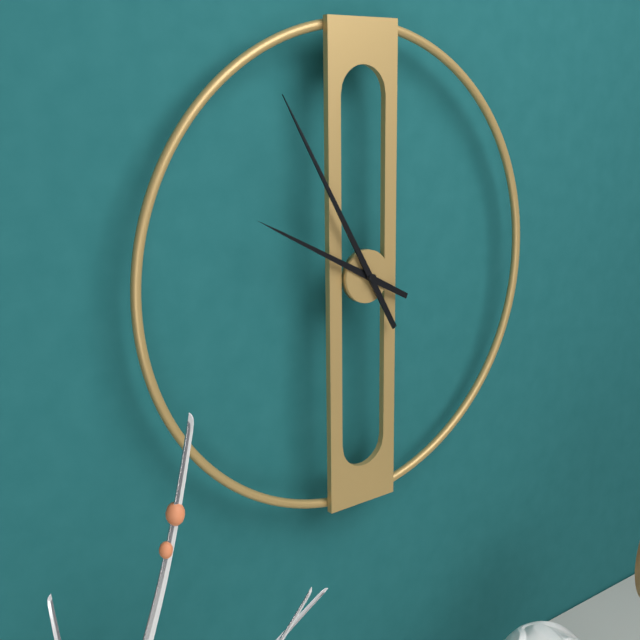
9:55
